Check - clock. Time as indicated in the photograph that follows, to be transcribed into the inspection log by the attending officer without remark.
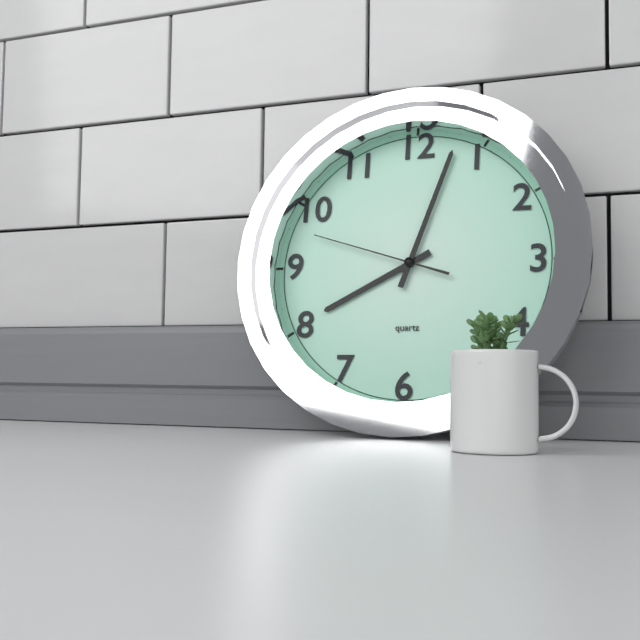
8:03:48
